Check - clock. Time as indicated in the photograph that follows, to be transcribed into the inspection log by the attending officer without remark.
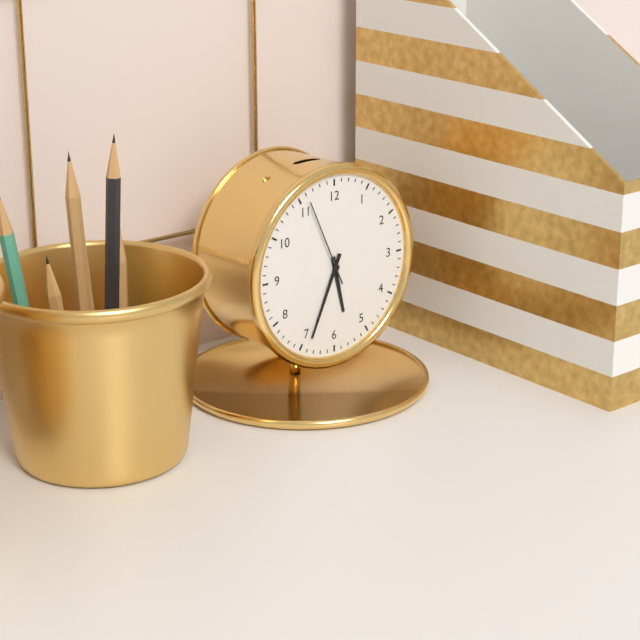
5:34:56
